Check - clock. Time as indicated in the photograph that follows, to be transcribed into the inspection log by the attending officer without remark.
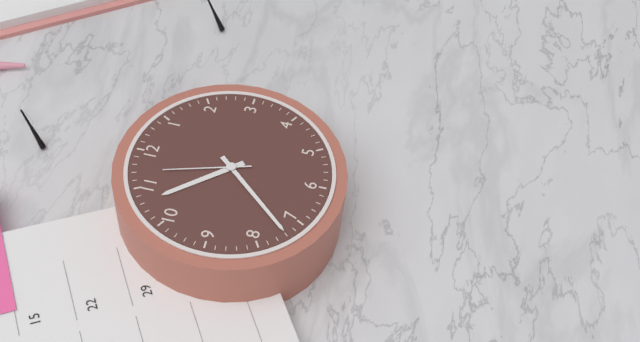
10:37:57
